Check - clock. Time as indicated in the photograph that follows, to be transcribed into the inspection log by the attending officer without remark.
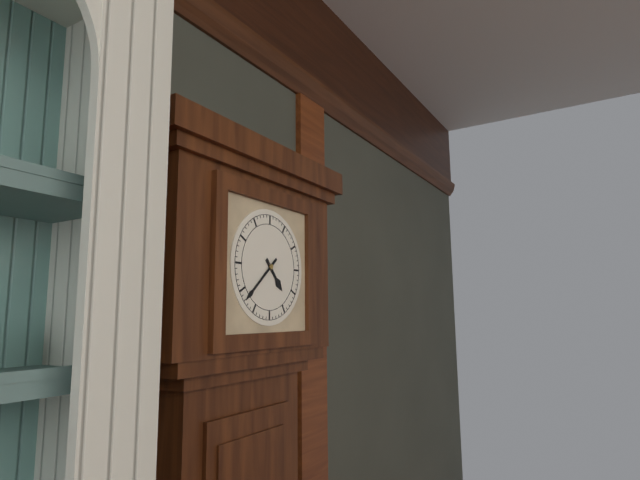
4:38
